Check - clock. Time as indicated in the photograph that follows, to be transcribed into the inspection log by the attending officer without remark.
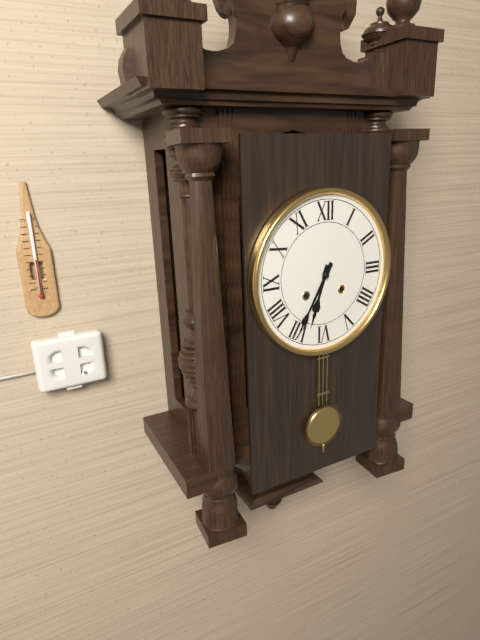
6:35
